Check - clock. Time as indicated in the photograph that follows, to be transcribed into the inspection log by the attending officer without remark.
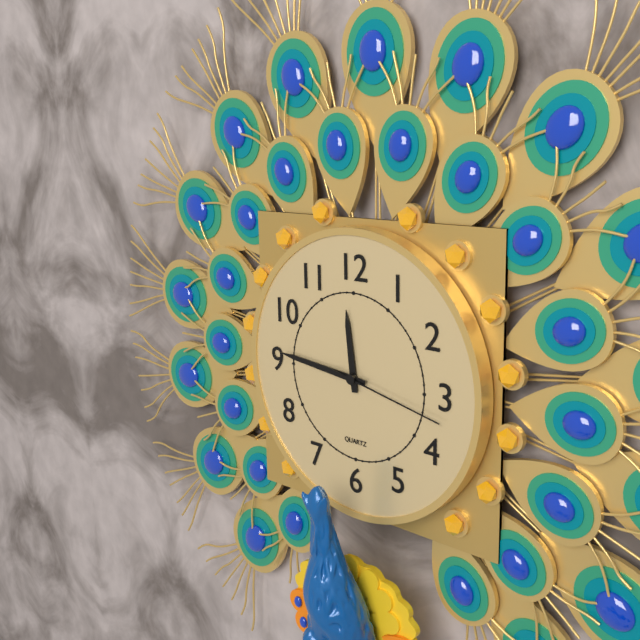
11:46:17
